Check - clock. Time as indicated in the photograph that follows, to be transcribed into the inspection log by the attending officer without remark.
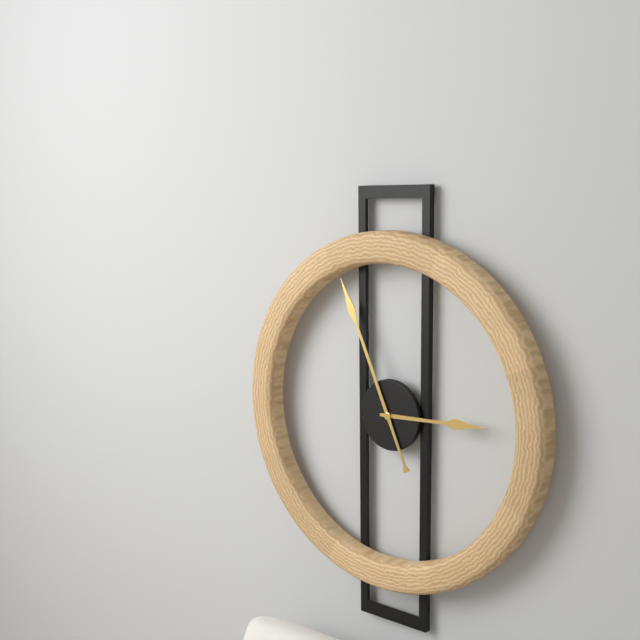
2:56
